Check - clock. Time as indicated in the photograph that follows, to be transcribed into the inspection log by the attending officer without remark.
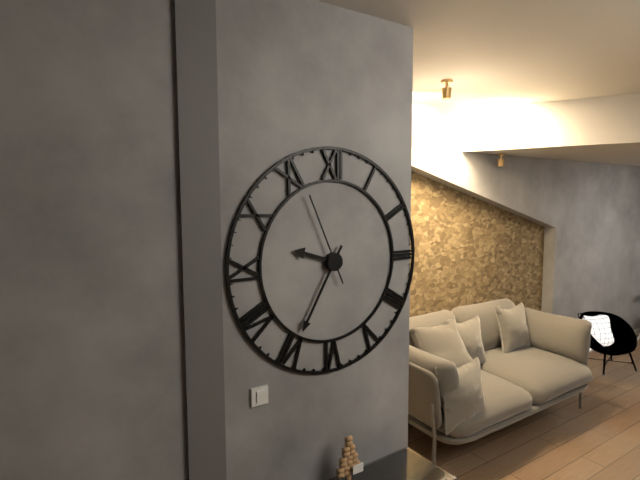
9:35:56
